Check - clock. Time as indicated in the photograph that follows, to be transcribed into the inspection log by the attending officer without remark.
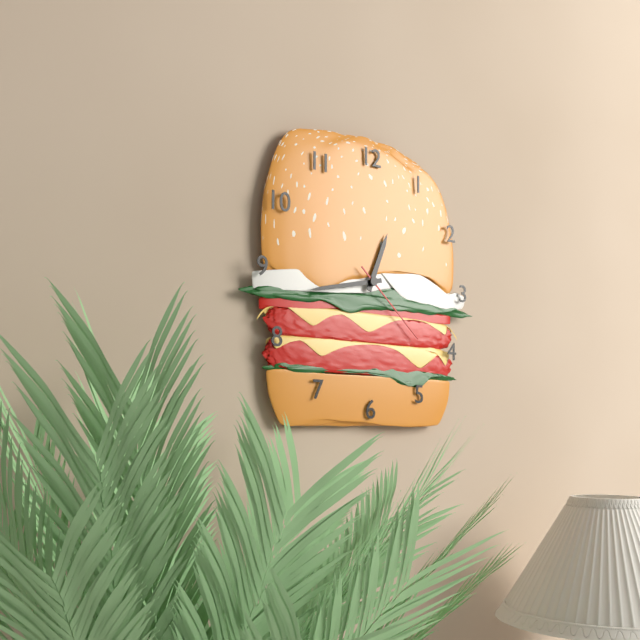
12:43:22
